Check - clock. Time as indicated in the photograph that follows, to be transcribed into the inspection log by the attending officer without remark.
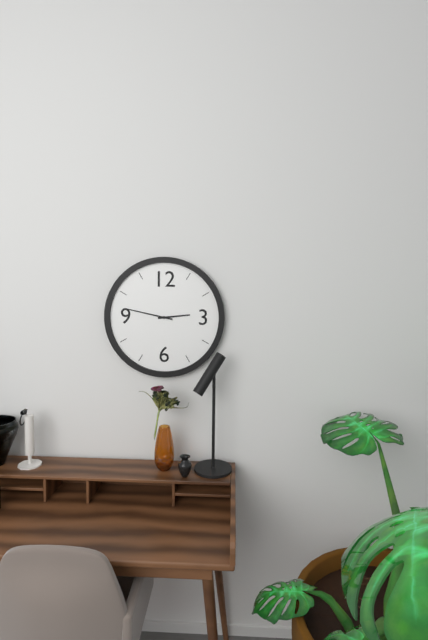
2:47
